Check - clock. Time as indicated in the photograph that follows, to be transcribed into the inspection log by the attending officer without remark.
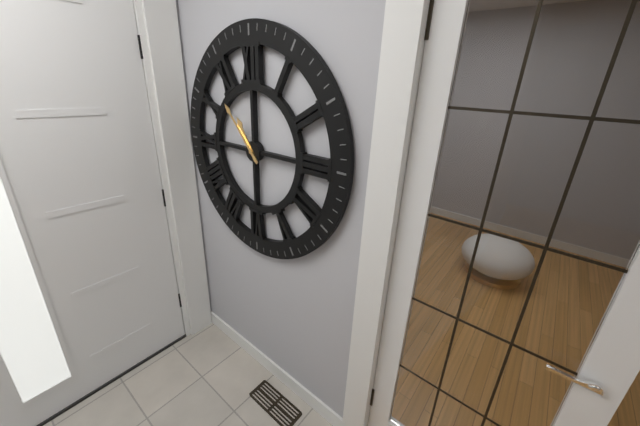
10:53
